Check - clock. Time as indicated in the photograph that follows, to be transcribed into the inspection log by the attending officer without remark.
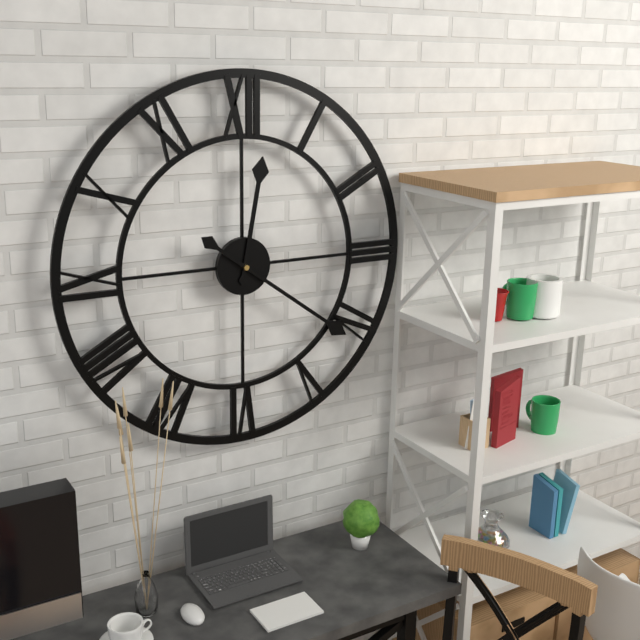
12:21
